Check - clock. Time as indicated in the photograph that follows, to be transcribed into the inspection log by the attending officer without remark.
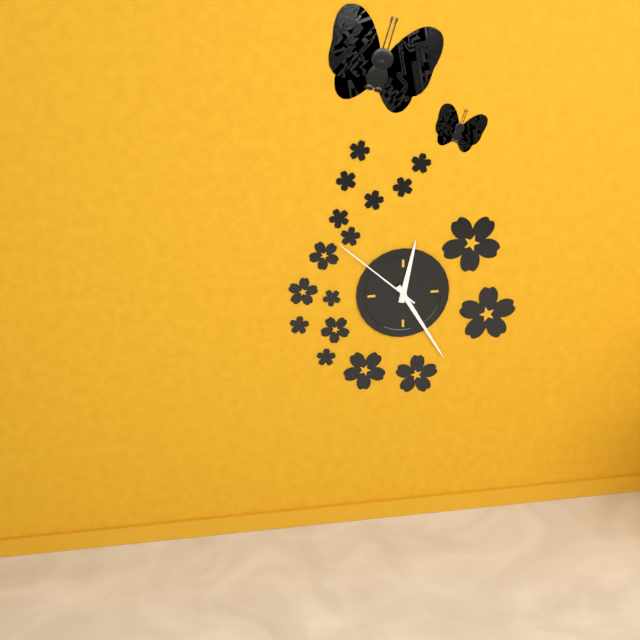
12:25:52
